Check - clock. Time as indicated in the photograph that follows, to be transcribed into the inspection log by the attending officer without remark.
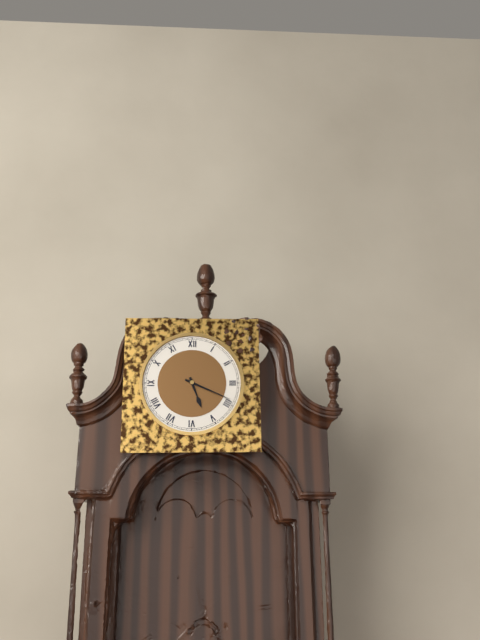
5:19
